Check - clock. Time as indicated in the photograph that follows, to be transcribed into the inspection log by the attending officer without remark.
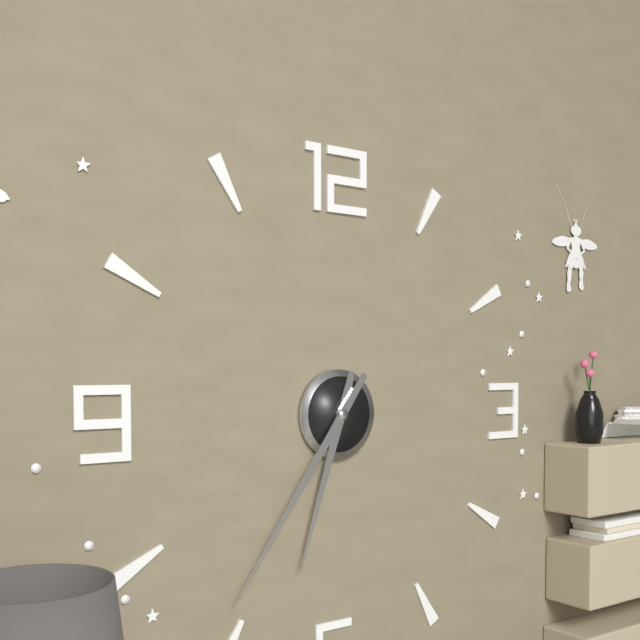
6:36
